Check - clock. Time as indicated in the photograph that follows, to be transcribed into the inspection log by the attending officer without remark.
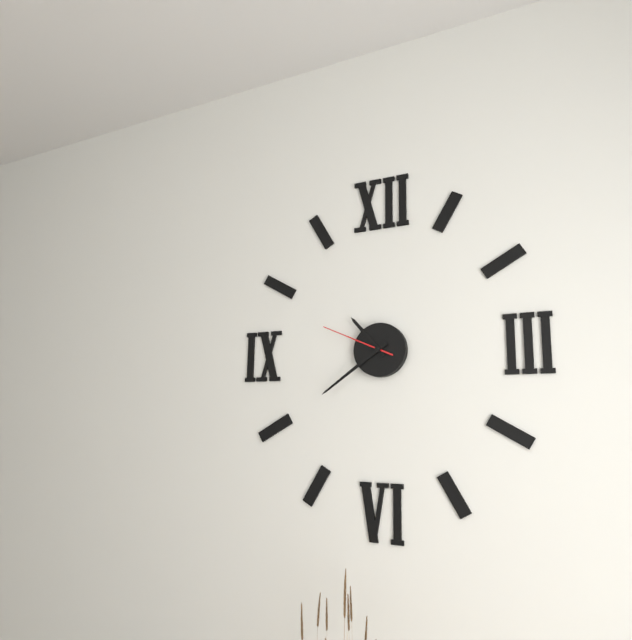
10:39:49
